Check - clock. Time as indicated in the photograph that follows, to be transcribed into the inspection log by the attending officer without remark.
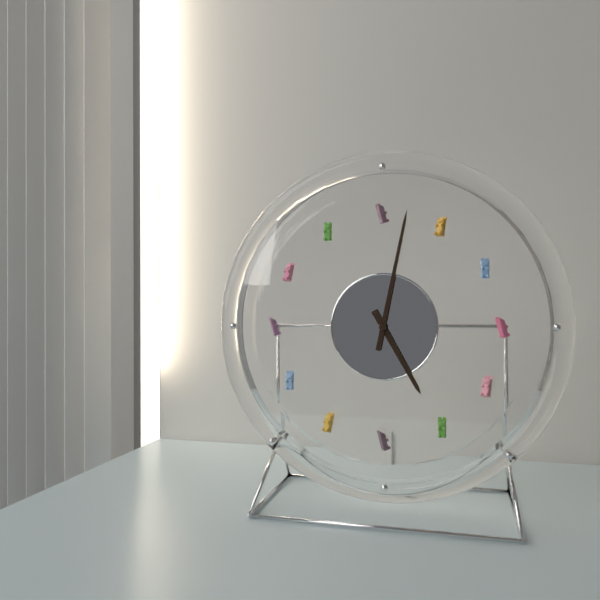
5:02
